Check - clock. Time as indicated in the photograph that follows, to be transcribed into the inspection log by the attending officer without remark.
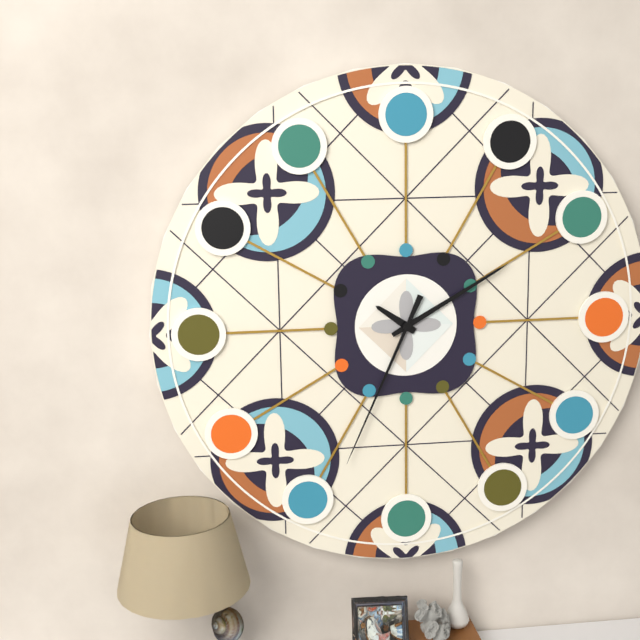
10:10:34
